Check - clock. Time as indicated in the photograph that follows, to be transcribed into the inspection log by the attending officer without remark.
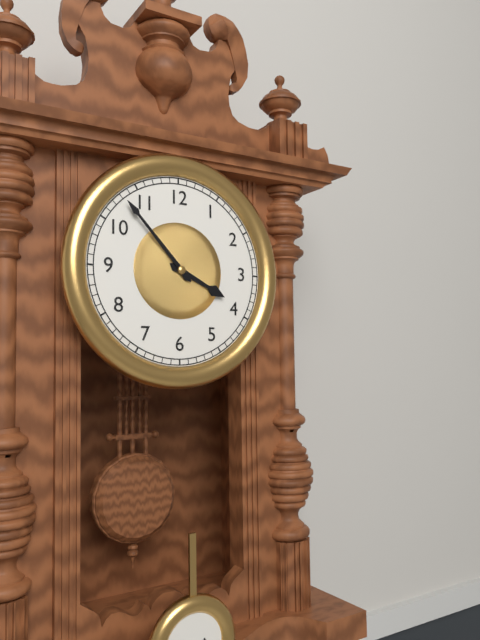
3:53
